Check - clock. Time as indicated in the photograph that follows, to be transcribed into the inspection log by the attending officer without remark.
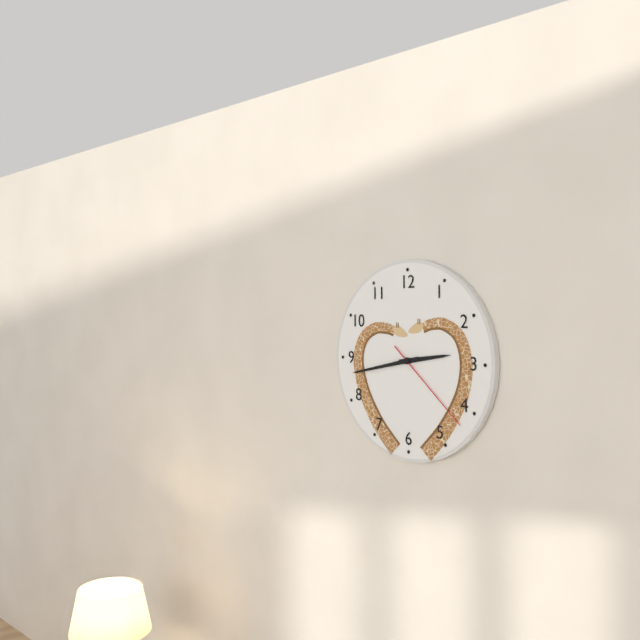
2:43:22
